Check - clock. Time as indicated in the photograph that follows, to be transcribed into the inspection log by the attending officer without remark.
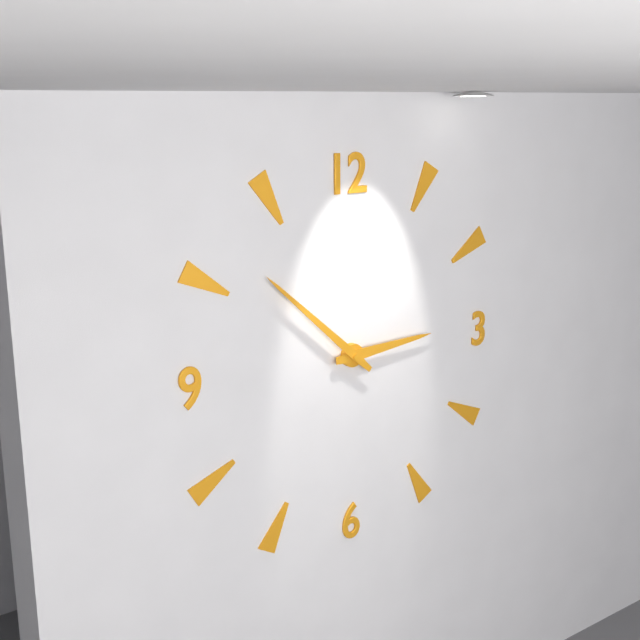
2:52
